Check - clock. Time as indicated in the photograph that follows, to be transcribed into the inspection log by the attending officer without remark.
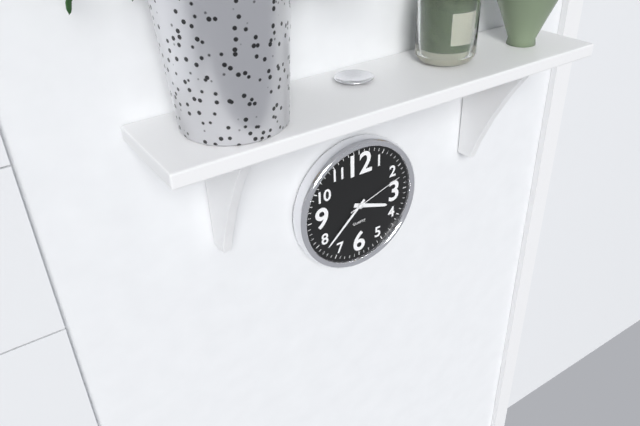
3:38:12
